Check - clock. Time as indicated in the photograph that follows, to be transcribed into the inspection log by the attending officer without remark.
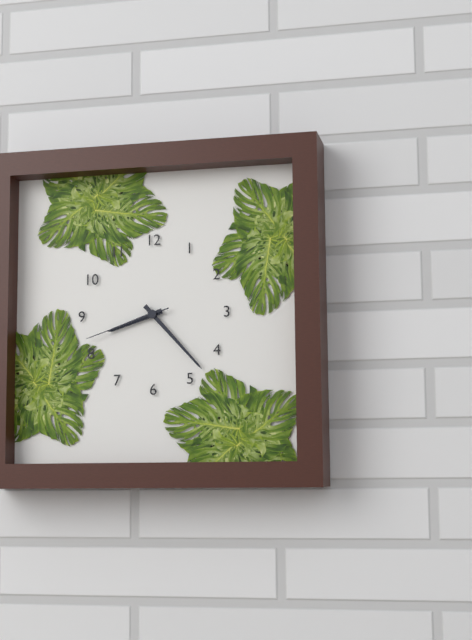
8:23:42
